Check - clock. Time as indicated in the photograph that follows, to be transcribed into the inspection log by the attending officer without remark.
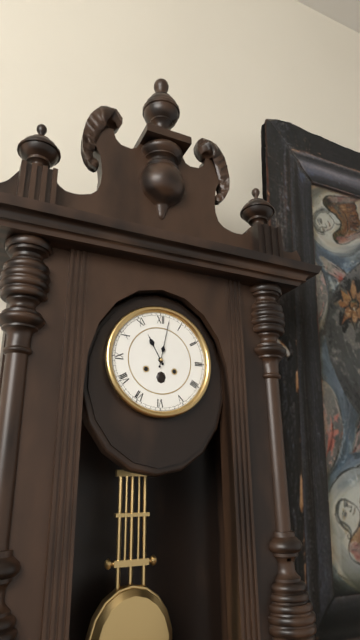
11:02
